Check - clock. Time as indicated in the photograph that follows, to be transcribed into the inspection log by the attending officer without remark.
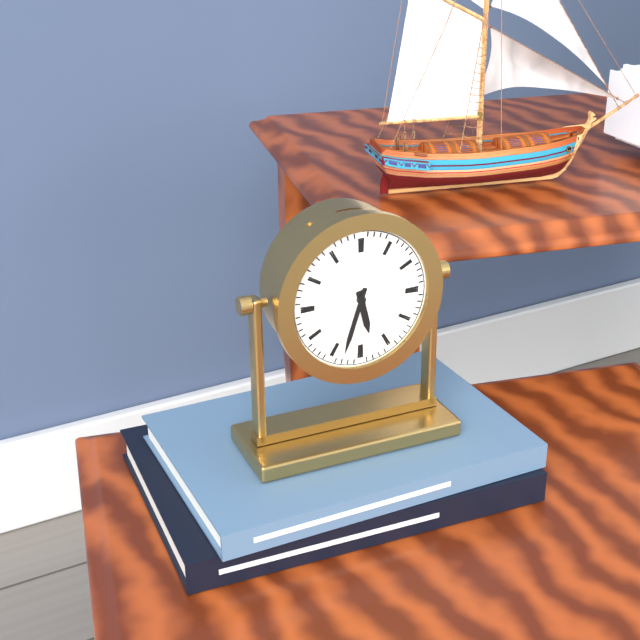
5:33
